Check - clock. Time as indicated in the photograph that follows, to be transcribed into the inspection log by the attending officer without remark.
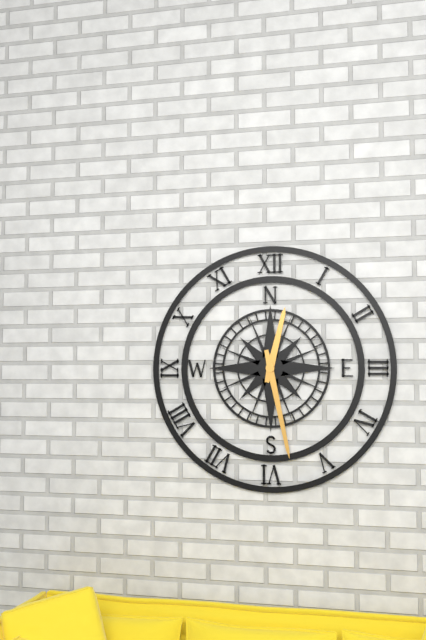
12:28
